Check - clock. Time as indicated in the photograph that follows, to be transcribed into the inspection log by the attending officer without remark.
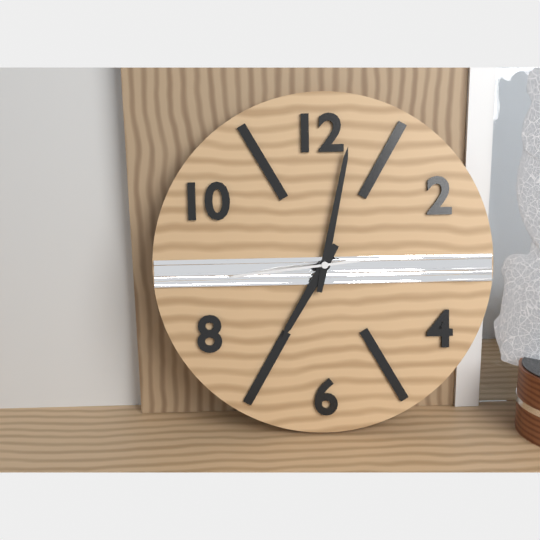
7:02:44
